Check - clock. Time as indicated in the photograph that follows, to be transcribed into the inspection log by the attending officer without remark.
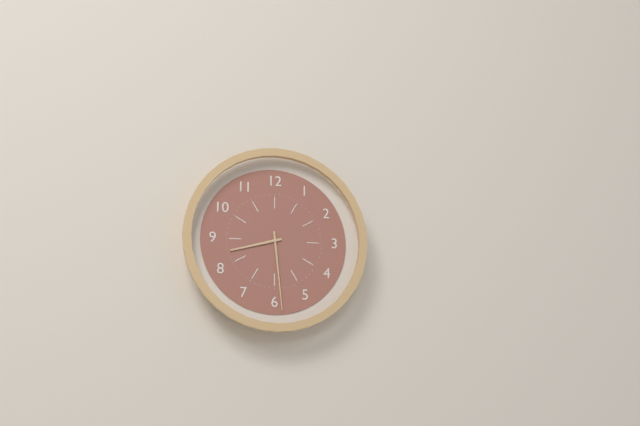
8:29
